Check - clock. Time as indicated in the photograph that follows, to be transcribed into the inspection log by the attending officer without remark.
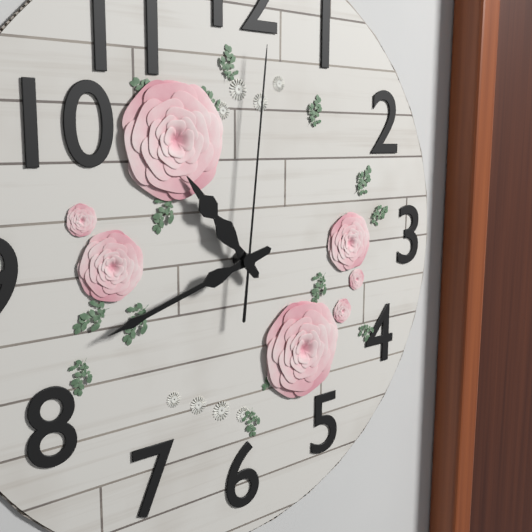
10:42:01
